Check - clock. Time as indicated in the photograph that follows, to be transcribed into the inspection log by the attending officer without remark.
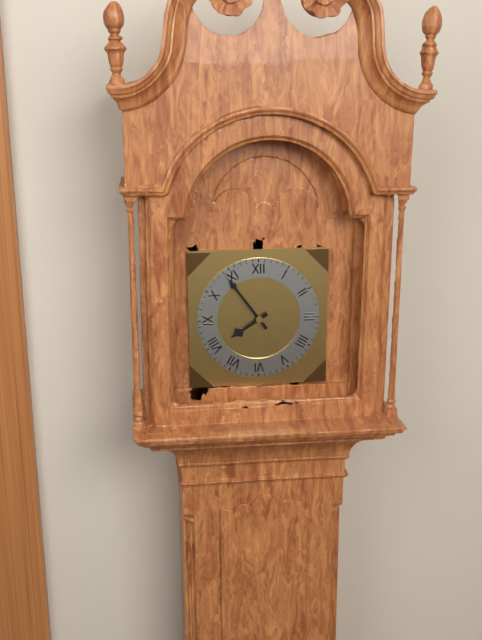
7:54
